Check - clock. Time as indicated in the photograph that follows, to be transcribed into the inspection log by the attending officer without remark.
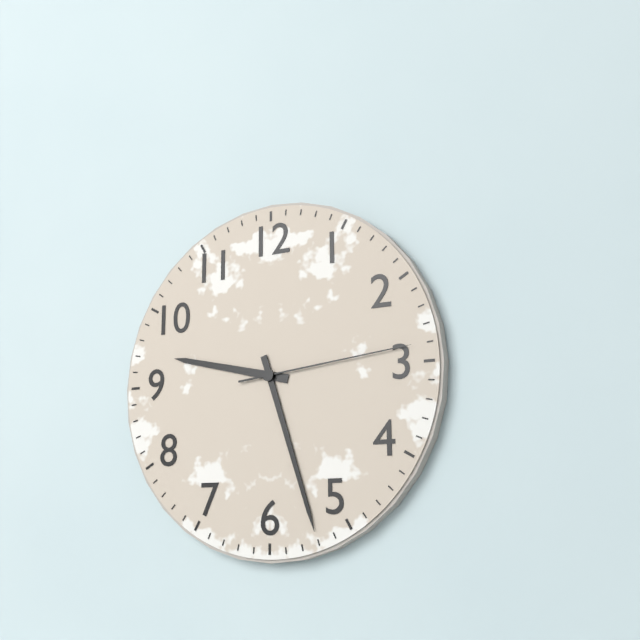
9:27:14
